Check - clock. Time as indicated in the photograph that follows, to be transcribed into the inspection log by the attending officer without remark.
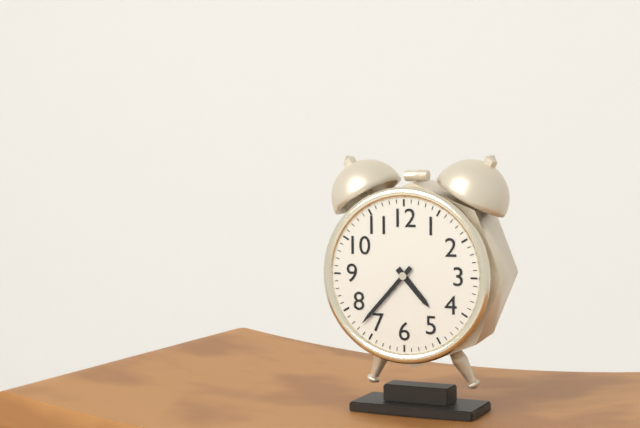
4:37
